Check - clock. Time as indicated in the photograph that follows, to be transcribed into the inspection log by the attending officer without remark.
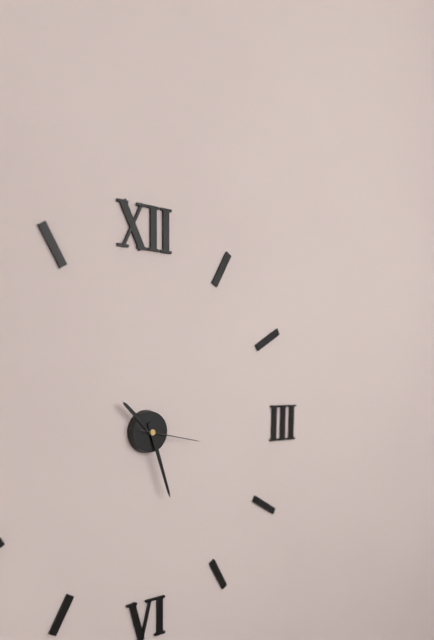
10:27:17
